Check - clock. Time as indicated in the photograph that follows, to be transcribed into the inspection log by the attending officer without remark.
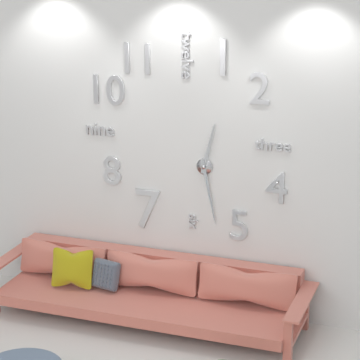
12:28
